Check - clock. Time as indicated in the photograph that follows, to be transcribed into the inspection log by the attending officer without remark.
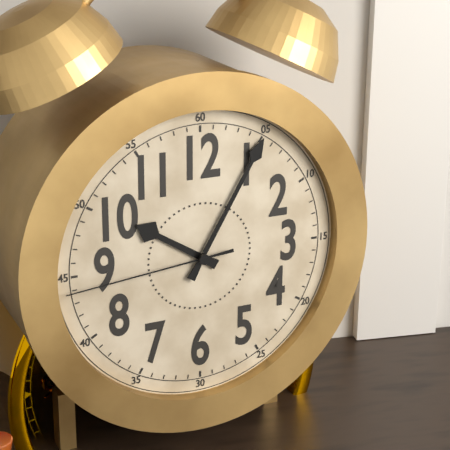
10:05:44
